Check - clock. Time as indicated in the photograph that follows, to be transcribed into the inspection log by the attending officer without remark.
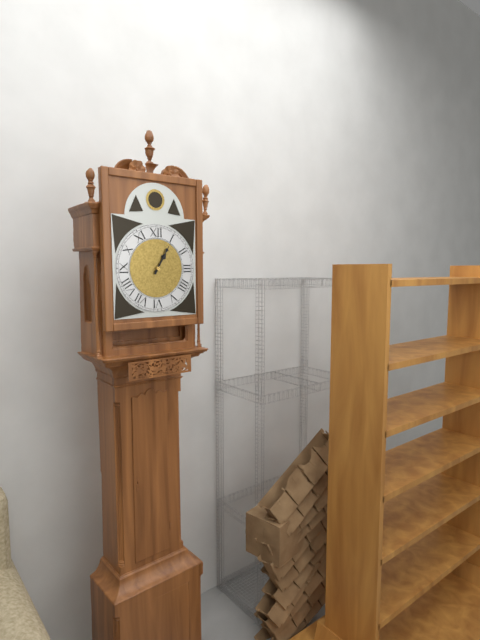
1:05
